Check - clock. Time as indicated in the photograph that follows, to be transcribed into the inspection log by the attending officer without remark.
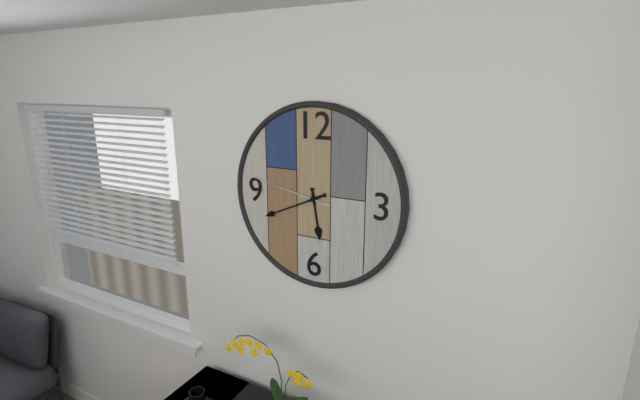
5:41:47
